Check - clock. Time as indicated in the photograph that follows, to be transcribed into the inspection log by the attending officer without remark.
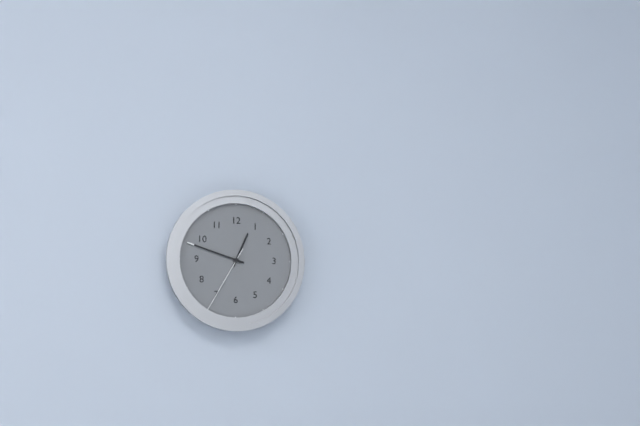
12:48:35
